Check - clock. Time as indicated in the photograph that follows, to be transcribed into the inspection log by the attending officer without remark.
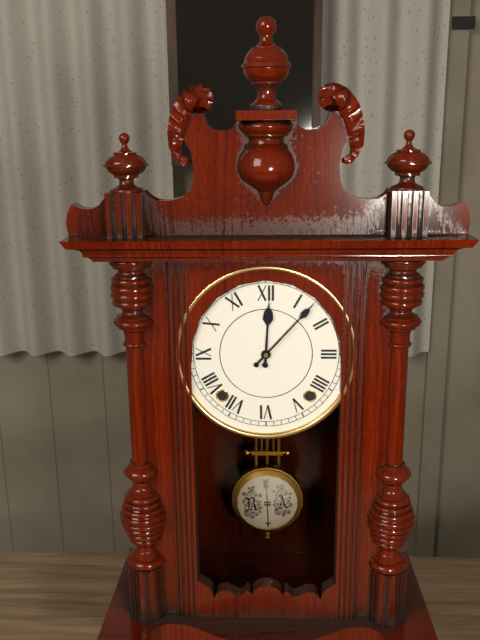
12:07
